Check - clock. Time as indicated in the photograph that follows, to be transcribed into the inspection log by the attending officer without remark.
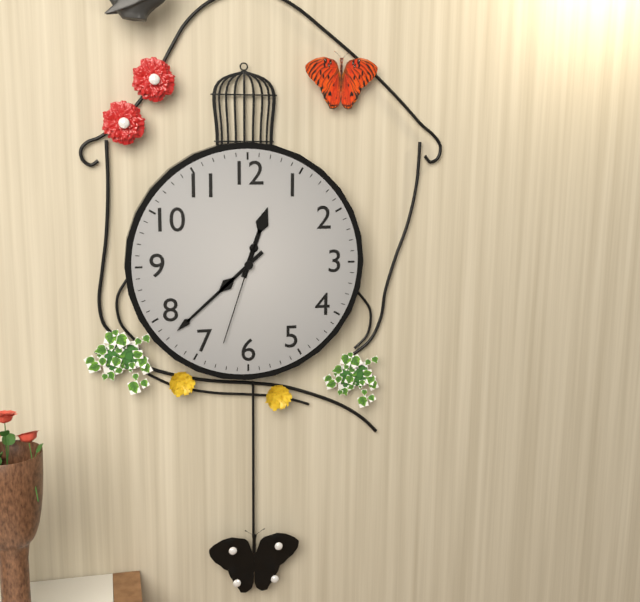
12:38:33
